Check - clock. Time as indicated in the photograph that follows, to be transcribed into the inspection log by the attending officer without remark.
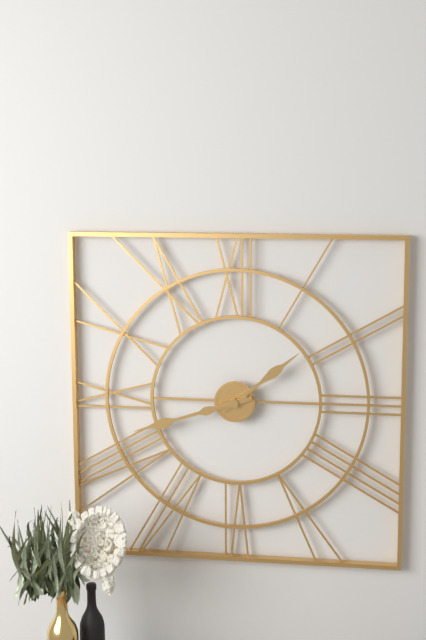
1:42
